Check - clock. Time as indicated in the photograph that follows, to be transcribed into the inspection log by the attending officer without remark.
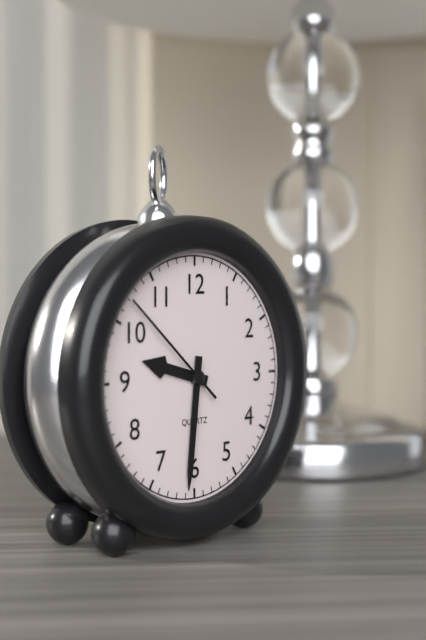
9:31:52
